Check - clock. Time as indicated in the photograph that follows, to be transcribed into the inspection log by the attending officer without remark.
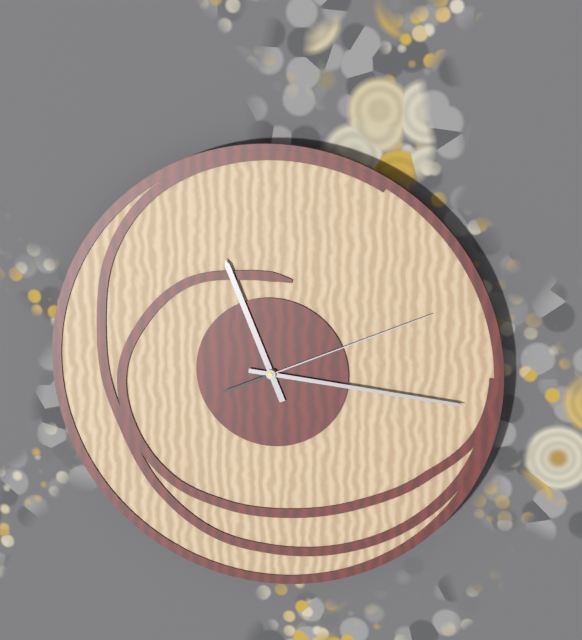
11:16:11
